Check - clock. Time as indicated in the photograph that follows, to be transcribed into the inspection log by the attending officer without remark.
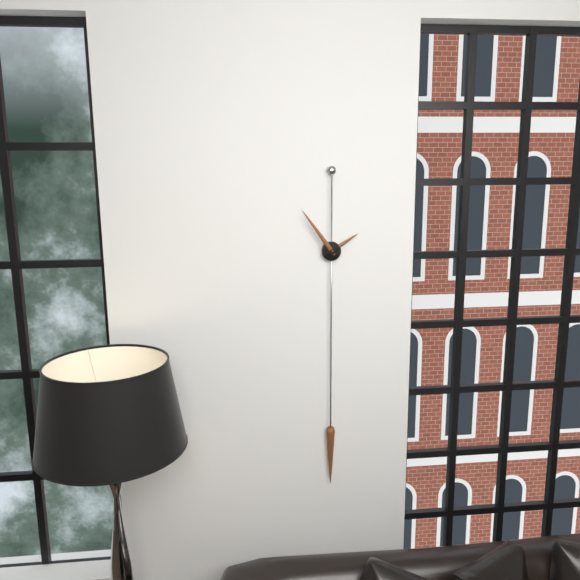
1:54
